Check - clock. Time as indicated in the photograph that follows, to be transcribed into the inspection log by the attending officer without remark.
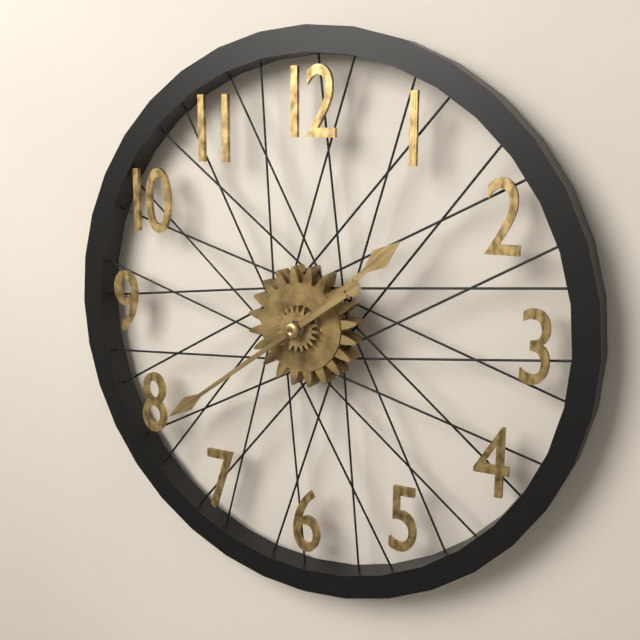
1:39
